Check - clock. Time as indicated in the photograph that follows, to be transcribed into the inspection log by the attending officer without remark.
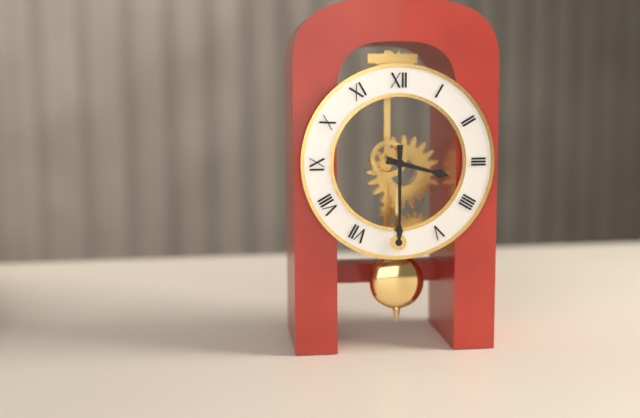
3:30
